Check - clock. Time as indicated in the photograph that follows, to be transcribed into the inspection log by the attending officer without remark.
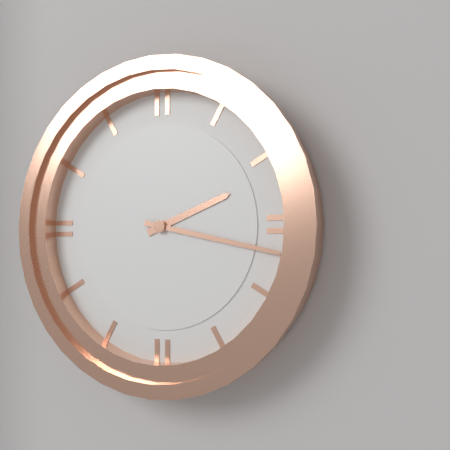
2:17
